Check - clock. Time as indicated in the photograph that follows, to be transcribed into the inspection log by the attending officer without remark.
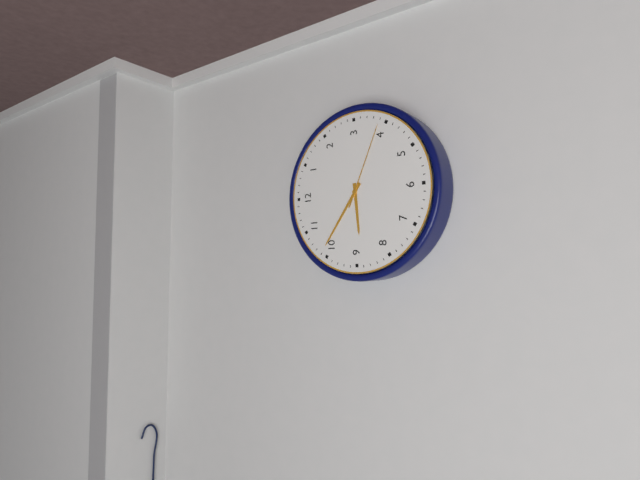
8:51:19
